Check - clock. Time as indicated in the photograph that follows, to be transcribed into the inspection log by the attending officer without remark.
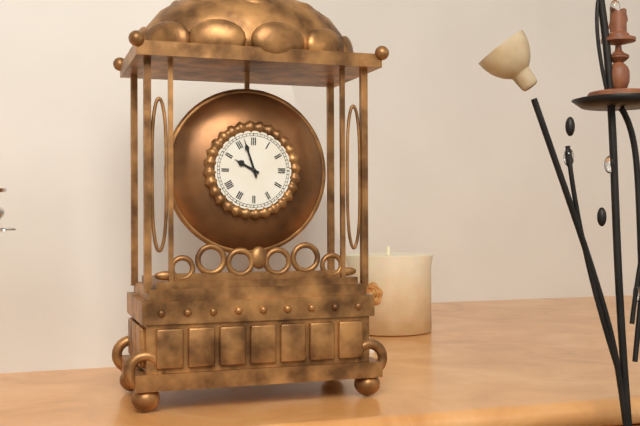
9:57
